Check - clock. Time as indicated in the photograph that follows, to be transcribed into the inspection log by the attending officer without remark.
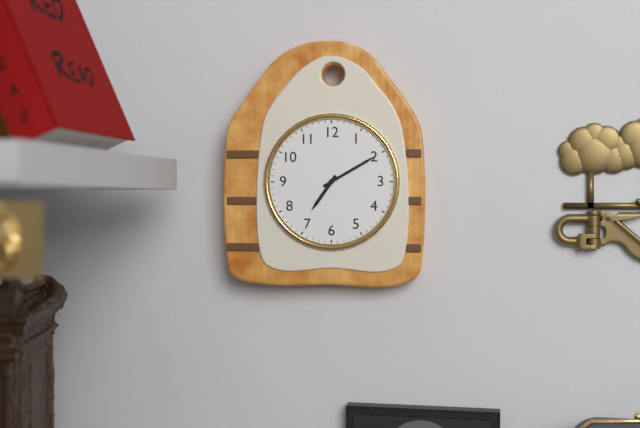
7:10
